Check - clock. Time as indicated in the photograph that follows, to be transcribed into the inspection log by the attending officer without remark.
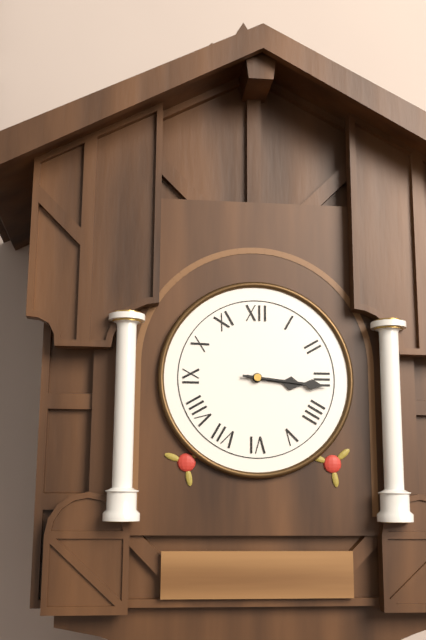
3:16
